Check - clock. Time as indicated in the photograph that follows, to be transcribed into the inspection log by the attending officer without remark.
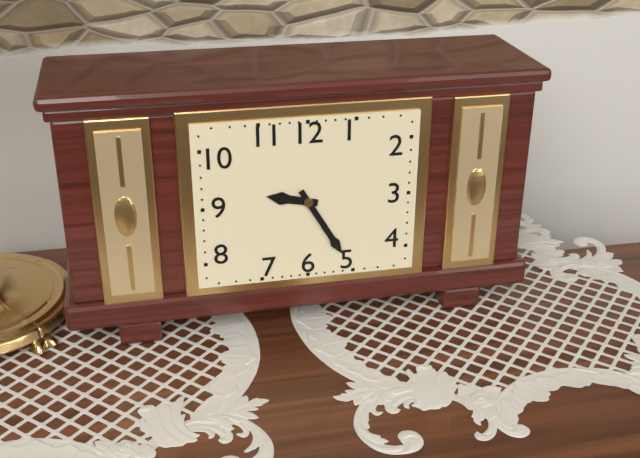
9:25
